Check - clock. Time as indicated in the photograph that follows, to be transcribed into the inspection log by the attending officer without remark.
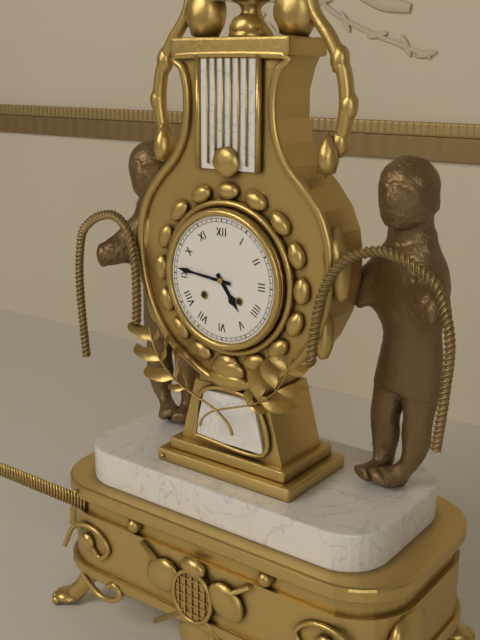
4:46
